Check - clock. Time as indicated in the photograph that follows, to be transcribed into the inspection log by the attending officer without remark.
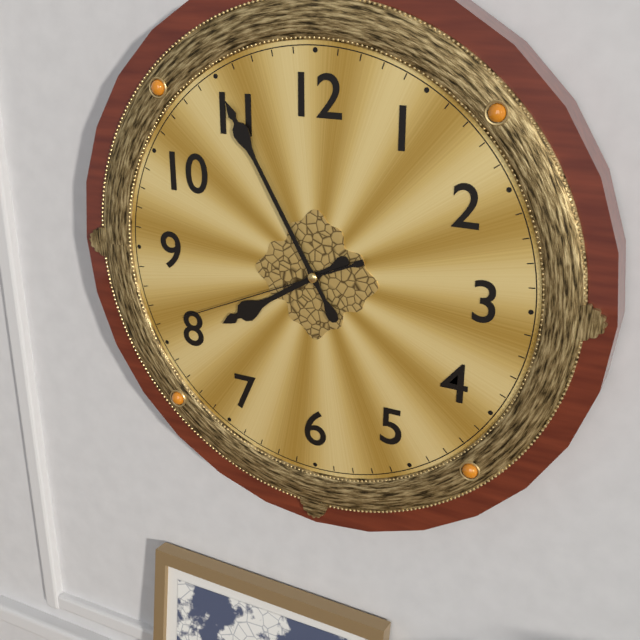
7:55:41
